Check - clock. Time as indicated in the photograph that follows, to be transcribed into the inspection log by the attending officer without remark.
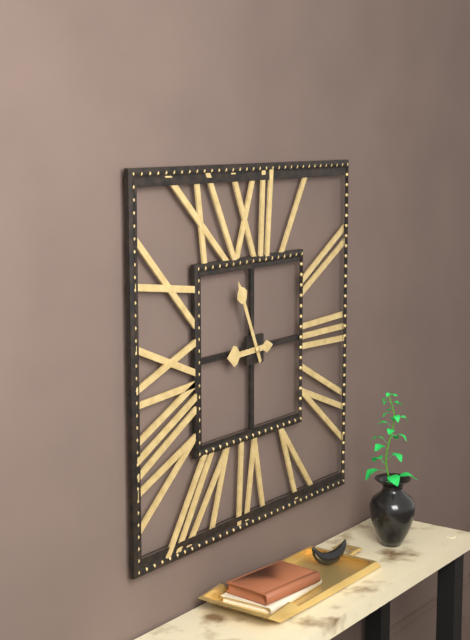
8:56
